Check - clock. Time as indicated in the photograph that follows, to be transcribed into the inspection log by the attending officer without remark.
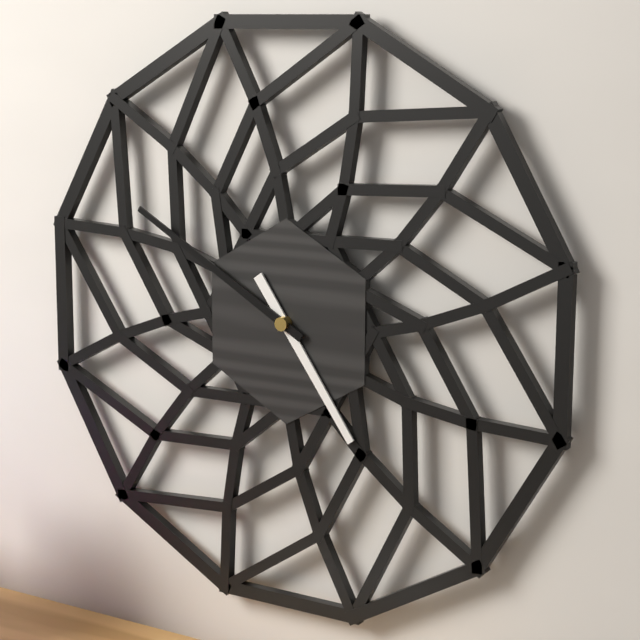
4:50
